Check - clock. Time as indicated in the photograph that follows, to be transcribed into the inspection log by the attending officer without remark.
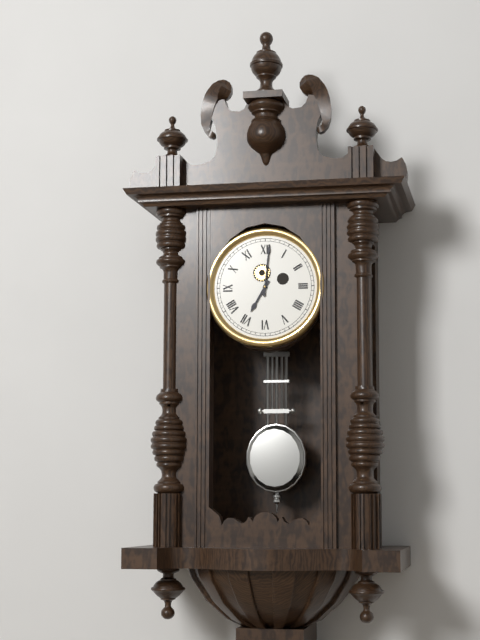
7:01
